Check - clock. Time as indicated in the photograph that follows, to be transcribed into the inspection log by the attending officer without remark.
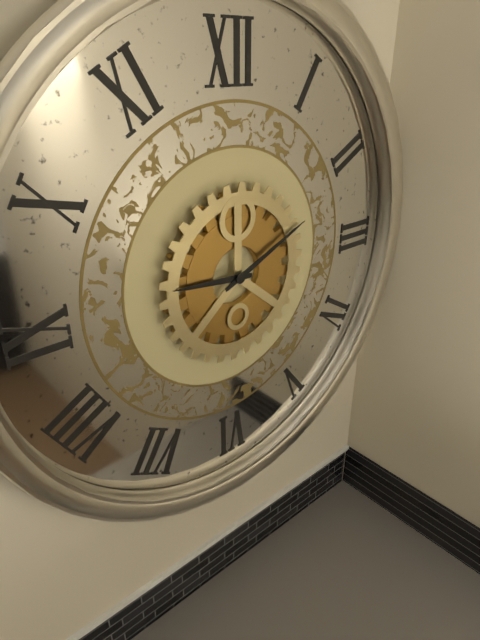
9:11
